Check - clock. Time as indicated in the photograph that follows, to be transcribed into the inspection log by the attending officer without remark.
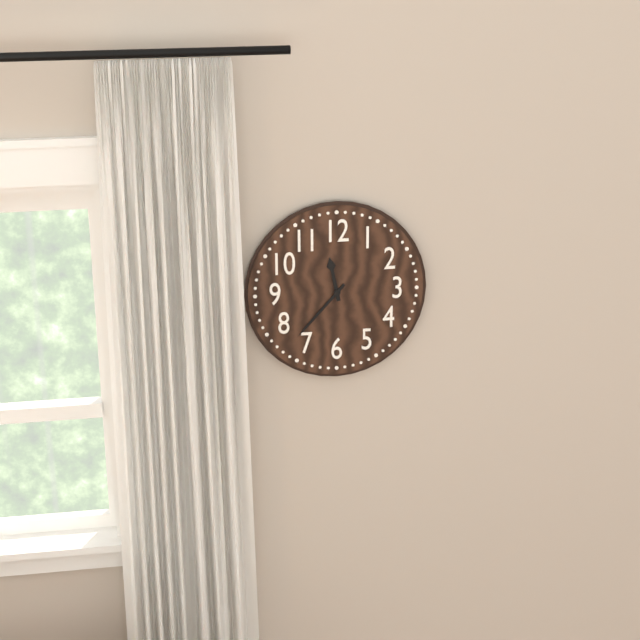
11:37
